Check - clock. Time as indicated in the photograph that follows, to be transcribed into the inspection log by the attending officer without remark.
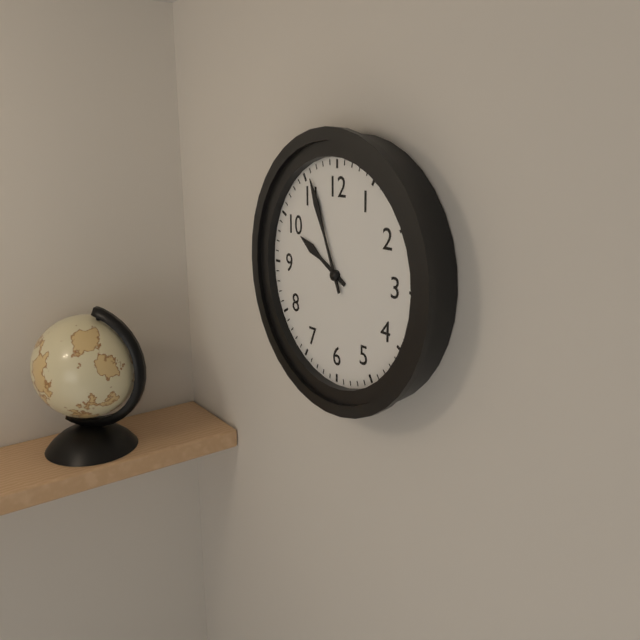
9:56
